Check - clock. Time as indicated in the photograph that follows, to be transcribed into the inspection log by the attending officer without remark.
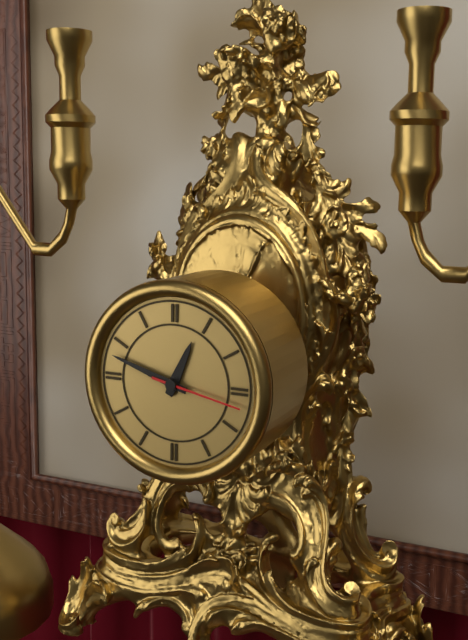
12:48:17
